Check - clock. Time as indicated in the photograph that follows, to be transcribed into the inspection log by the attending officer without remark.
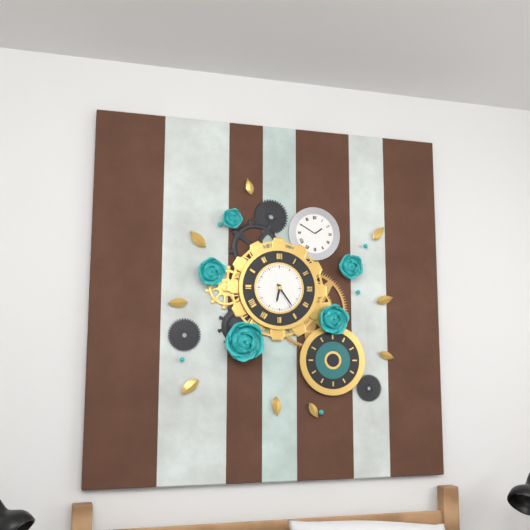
6:24
